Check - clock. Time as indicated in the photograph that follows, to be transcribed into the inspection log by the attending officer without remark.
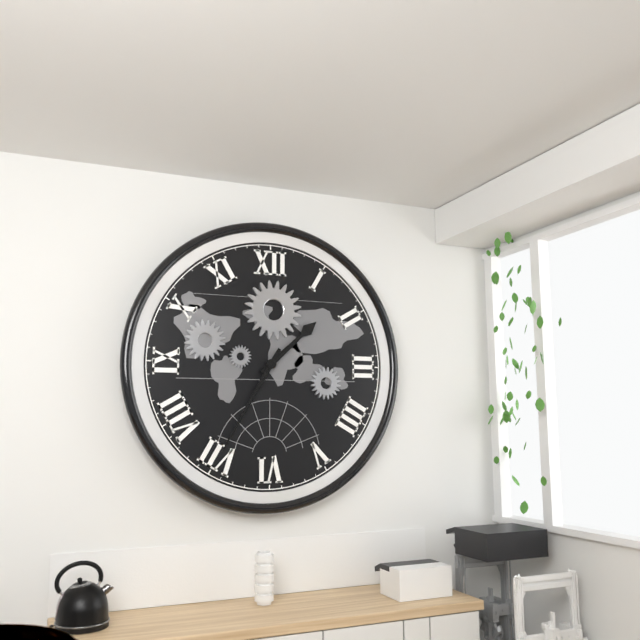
1:35
